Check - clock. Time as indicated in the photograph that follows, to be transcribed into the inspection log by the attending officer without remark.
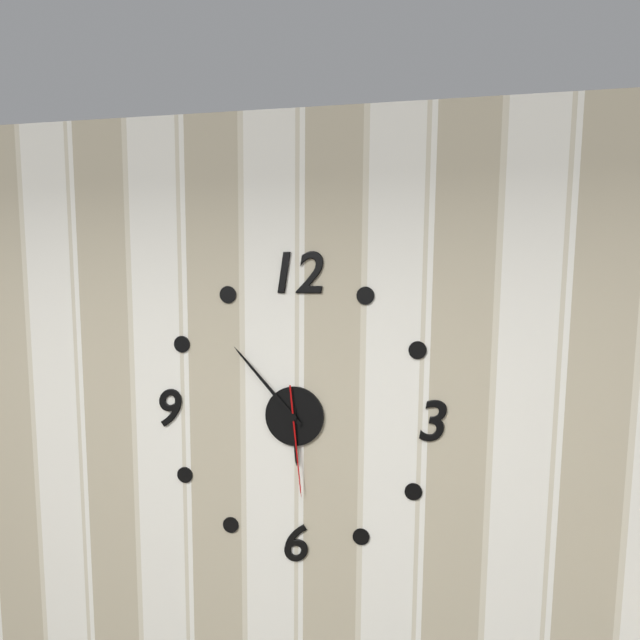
5:53:29
